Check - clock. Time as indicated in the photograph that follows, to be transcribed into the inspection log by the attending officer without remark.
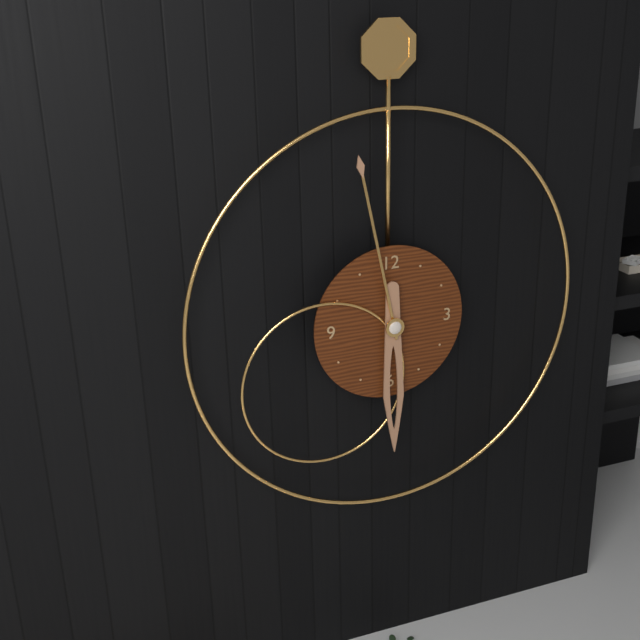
5:58
